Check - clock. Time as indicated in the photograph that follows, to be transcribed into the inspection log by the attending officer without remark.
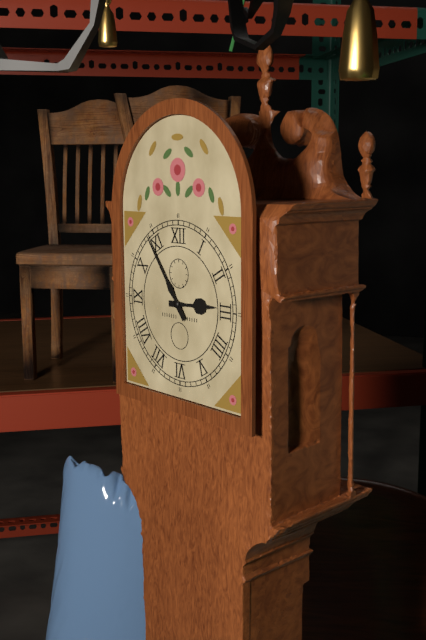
2:54
